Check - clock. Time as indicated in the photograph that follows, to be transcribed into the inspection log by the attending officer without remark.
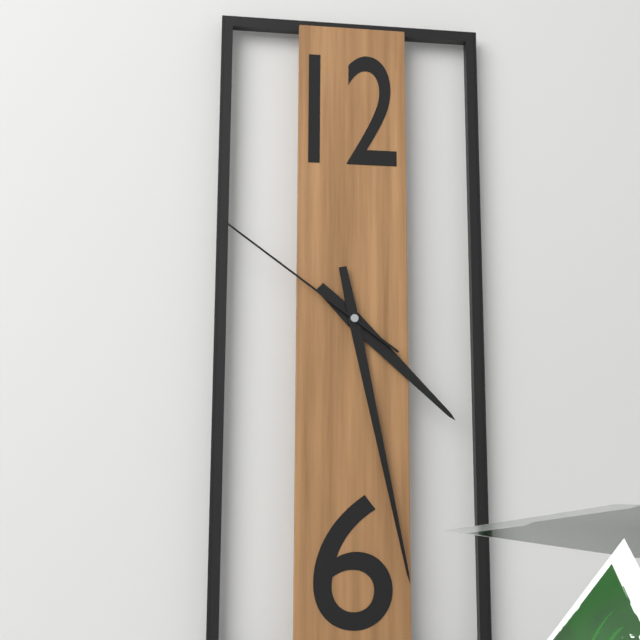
4:28:51
